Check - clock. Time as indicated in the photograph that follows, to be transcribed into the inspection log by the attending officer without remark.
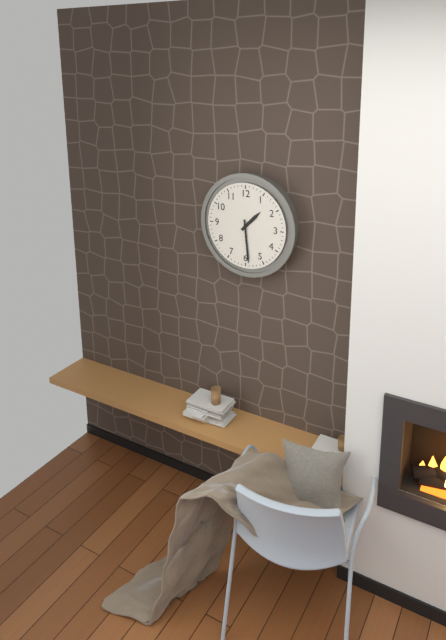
1:29
